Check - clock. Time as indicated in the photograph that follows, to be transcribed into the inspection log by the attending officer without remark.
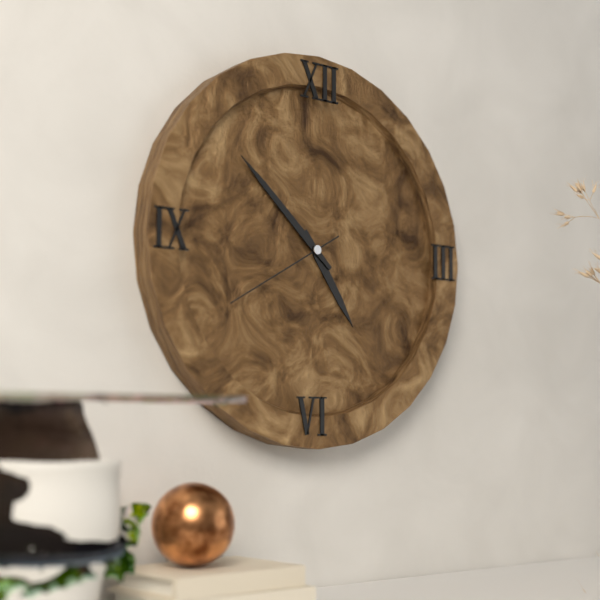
4:52:40
